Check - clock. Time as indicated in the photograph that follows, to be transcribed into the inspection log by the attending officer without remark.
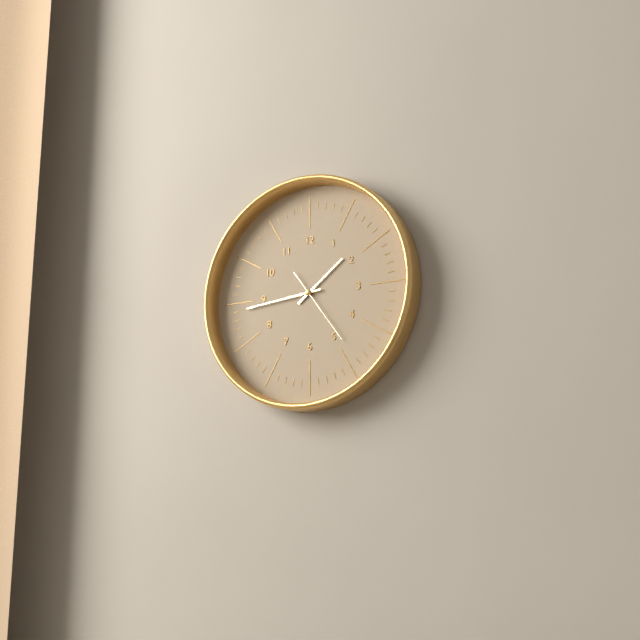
1:44:24
